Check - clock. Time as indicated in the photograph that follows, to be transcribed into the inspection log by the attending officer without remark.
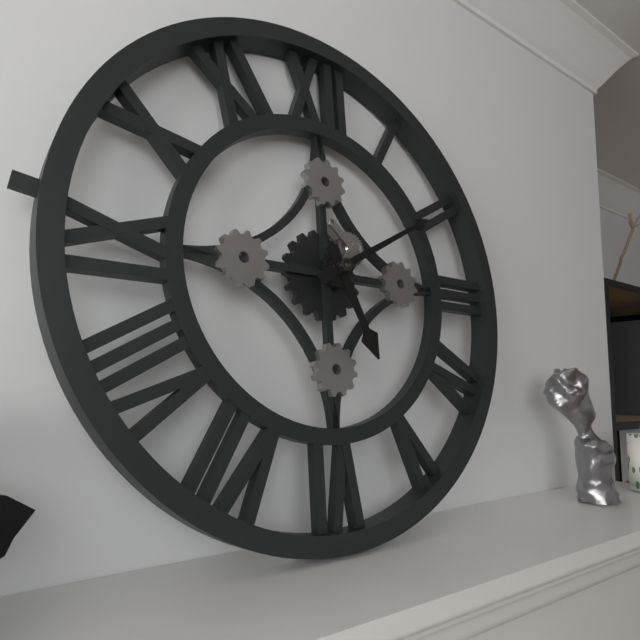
5:10
